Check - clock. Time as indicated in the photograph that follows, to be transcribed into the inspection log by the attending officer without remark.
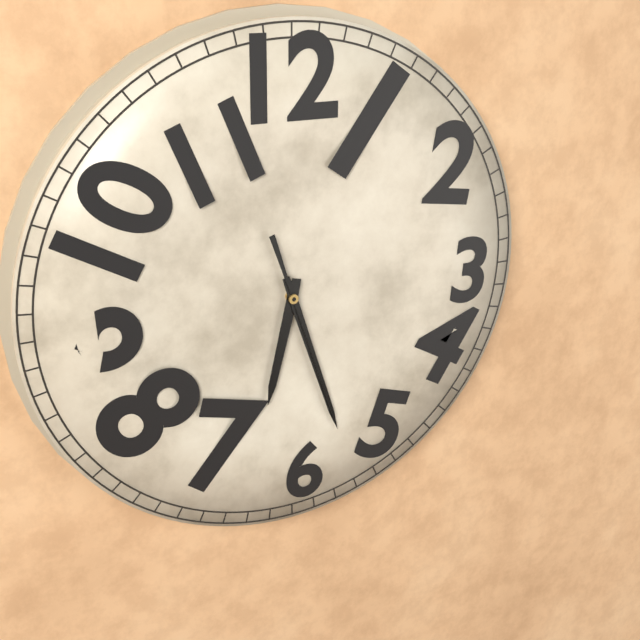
6:27:27
